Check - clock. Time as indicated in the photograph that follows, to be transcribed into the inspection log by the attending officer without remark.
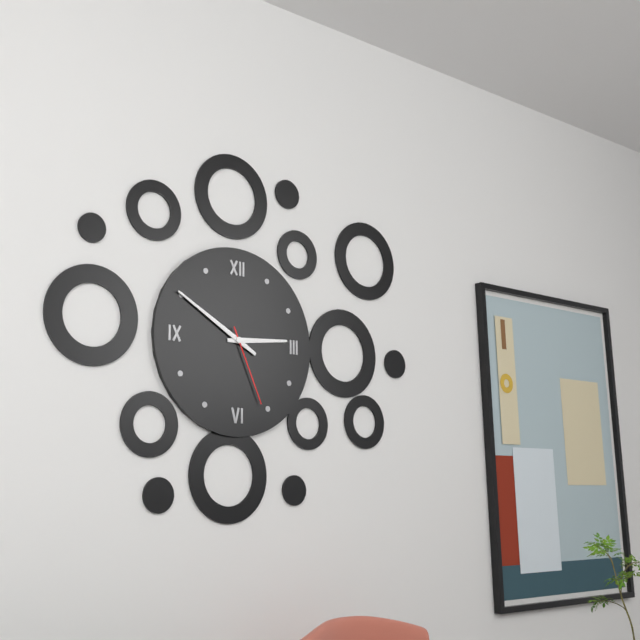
2:50:26
